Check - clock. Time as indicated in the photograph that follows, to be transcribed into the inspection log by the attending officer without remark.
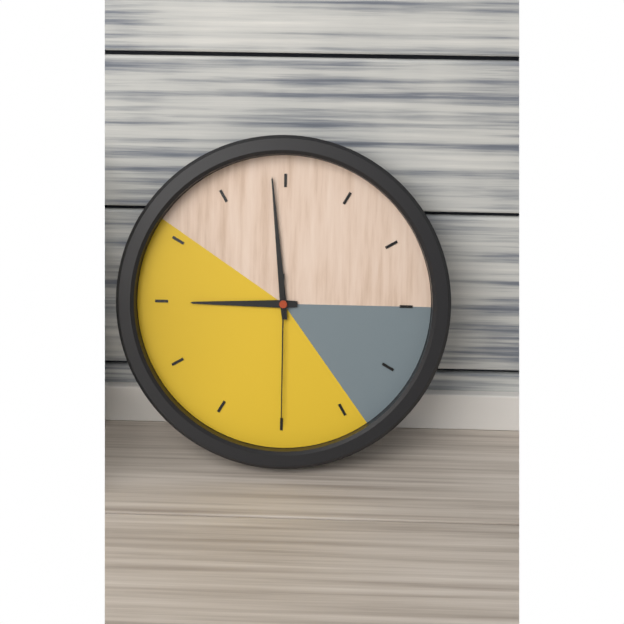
8:59:30
